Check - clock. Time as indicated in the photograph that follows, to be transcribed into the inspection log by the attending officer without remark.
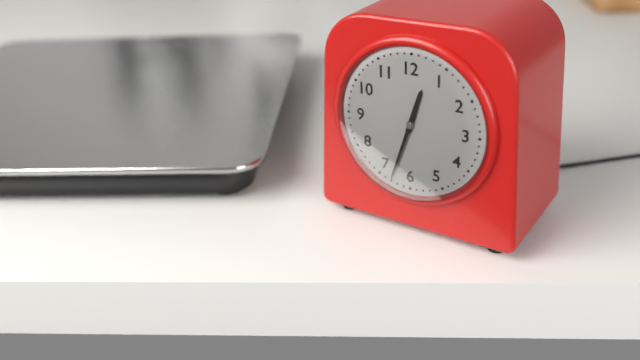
12:33
